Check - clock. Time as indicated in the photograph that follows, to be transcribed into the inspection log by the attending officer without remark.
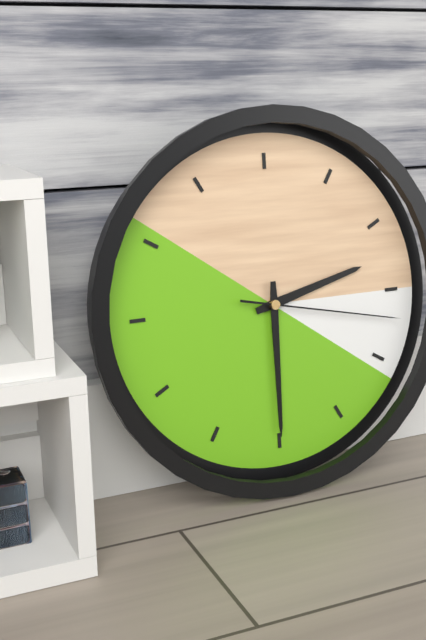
2:30:17
